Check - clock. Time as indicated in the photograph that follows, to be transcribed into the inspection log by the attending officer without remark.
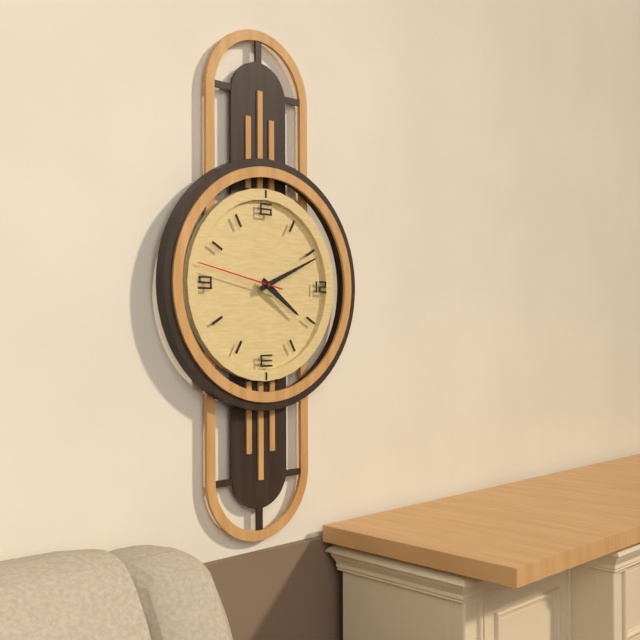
4:11:47
